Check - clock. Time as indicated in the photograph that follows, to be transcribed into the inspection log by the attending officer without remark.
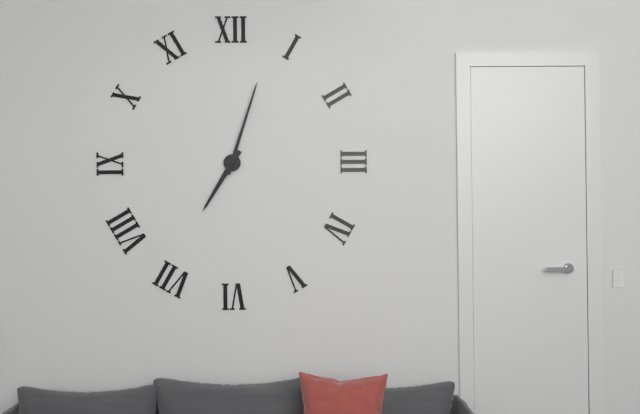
7:03
